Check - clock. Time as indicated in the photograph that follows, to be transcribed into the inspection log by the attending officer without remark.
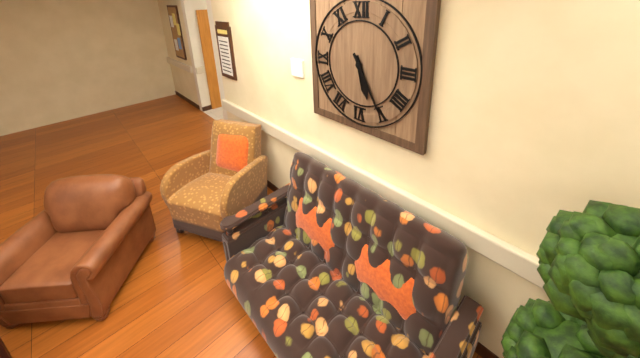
5:25
